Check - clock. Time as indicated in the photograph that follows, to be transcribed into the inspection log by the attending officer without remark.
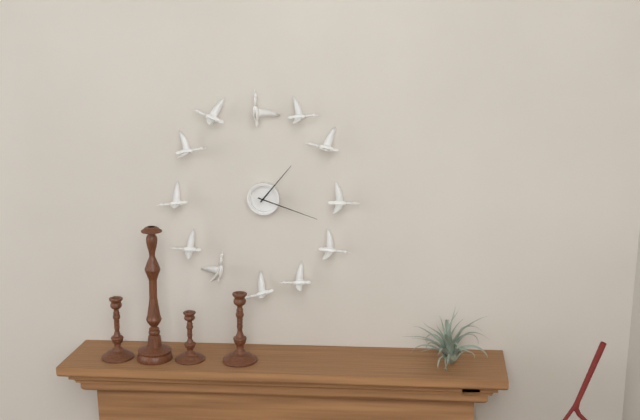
1:18
